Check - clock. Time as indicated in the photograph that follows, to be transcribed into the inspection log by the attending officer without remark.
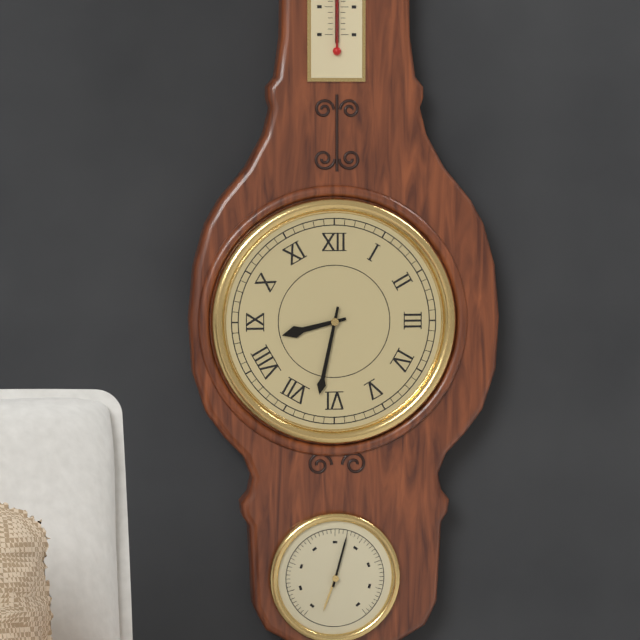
8:32
